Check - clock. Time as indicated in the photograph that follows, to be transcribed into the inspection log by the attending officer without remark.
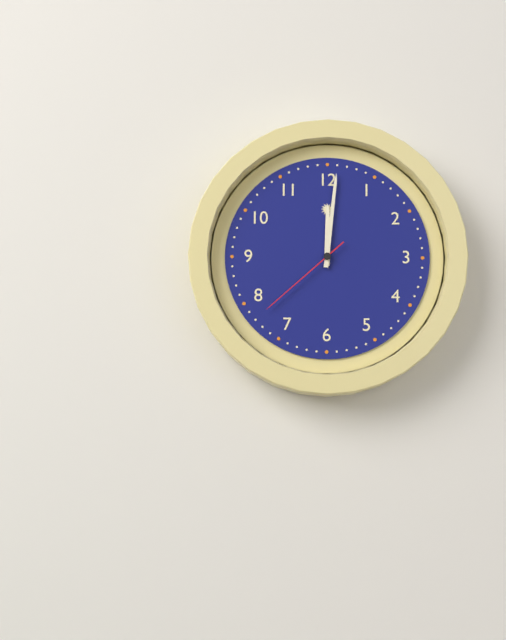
12:01:38
